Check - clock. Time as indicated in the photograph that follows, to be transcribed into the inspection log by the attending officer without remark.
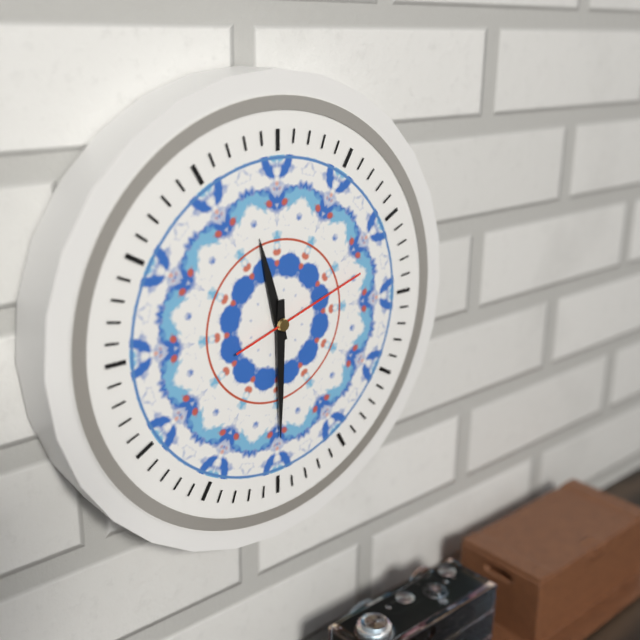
11:30:12
